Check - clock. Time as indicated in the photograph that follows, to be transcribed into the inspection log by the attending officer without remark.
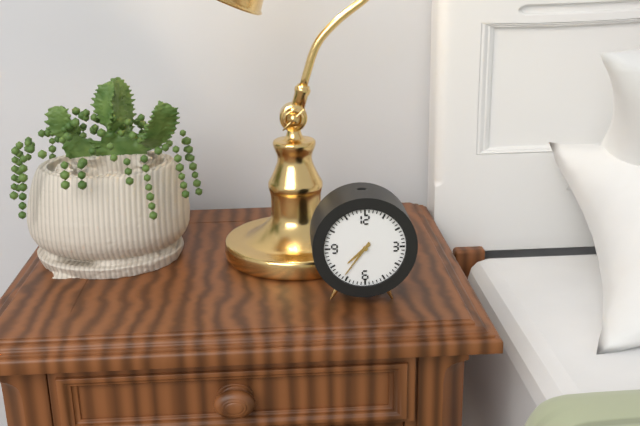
7:36
